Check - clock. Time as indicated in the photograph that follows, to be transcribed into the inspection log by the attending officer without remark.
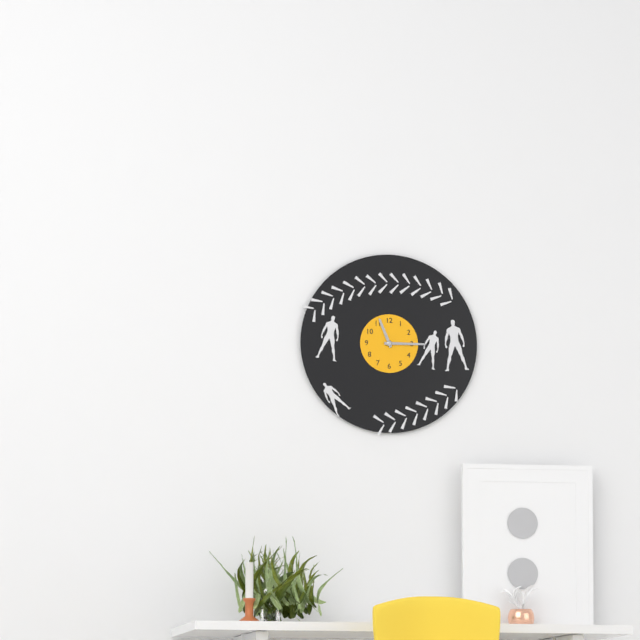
11:15
